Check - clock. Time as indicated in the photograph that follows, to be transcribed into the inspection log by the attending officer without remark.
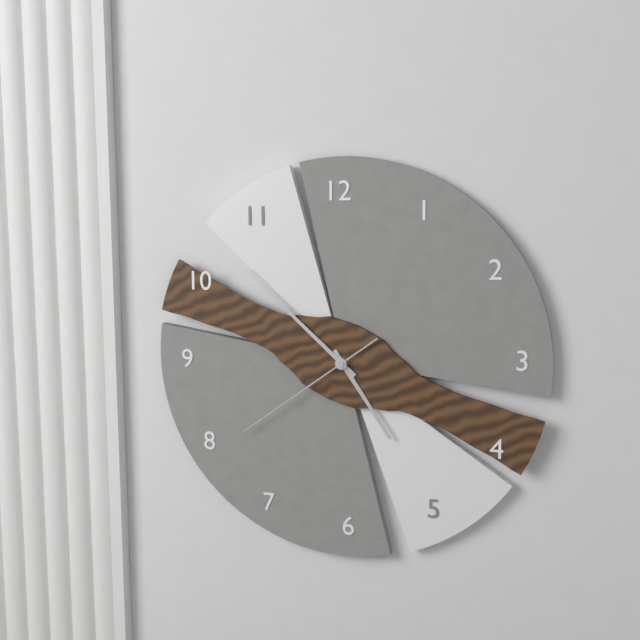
4:52:39
